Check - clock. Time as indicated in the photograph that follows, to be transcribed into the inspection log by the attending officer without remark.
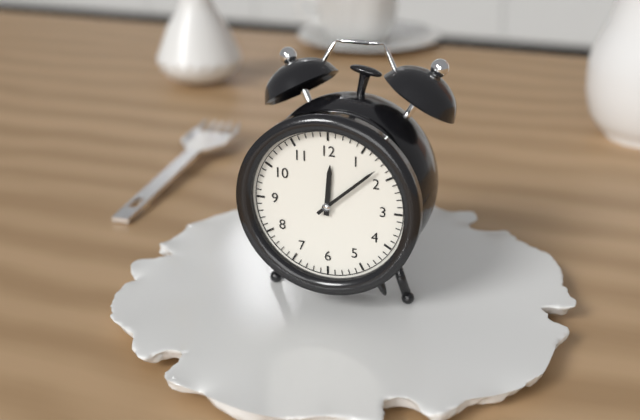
12:08
